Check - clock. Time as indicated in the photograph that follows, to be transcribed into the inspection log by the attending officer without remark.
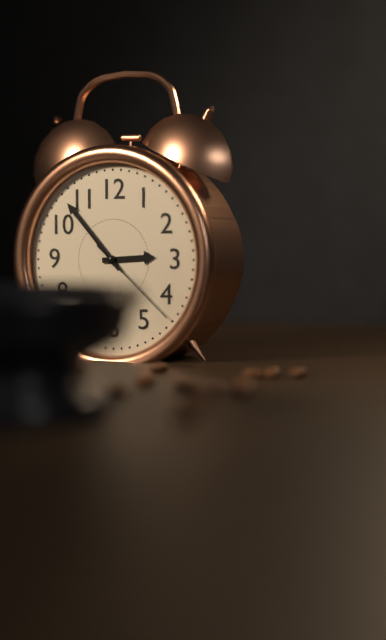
2:53:22
